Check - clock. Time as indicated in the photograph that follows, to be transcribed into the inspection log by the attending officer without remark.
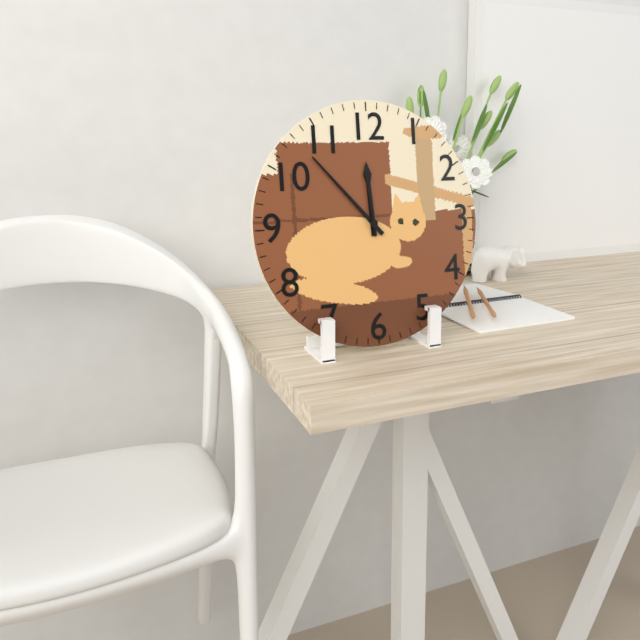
11:53:59
